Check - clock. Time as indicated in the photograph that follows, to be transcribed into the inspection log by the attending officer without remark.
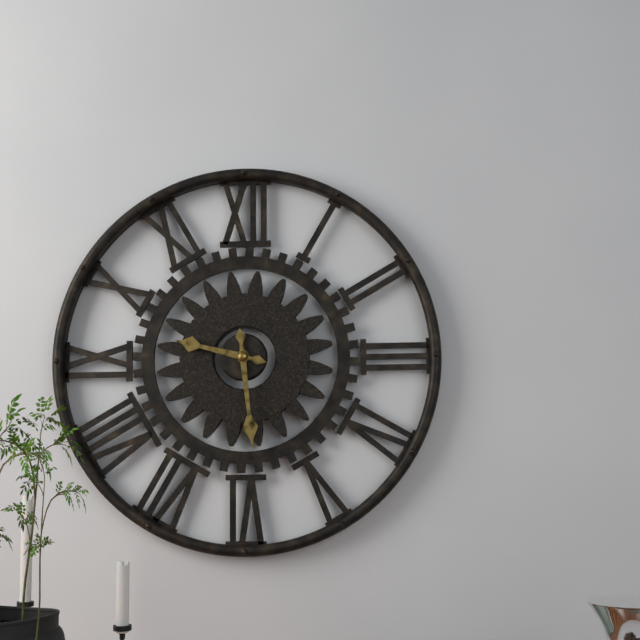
9:29
